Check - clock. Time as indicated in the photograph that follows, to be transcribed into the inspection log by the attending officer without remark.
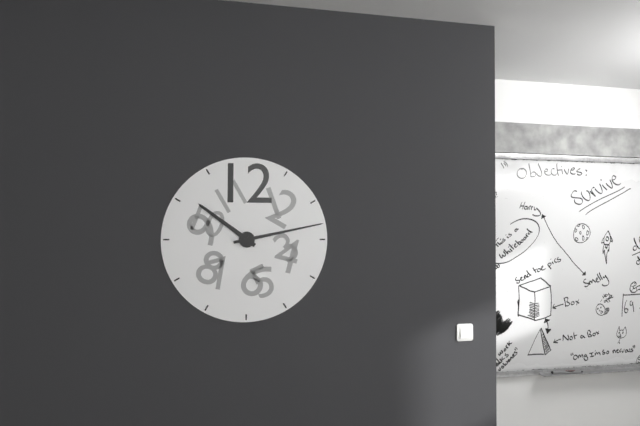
10:13
